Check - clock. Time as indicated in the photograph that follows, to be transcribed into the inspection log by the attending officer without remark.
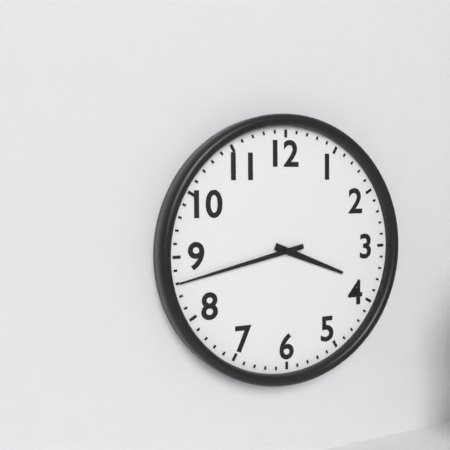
3:43
